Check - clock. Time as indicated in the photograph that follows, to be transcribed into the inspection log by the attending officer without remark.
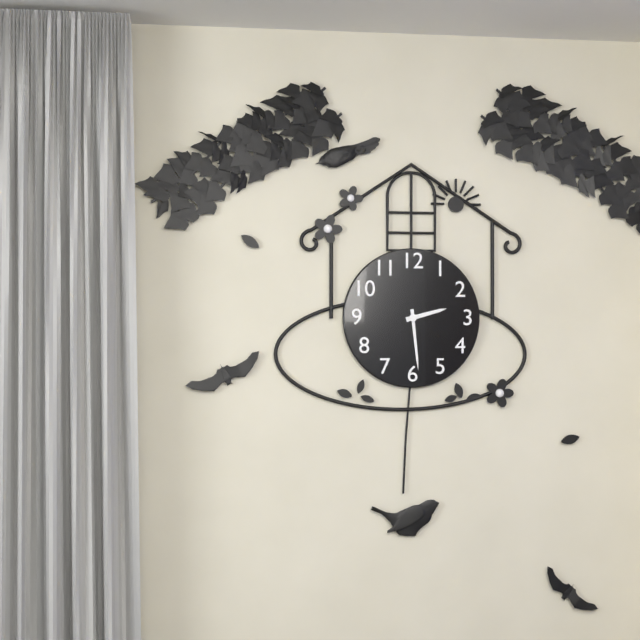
2:29
